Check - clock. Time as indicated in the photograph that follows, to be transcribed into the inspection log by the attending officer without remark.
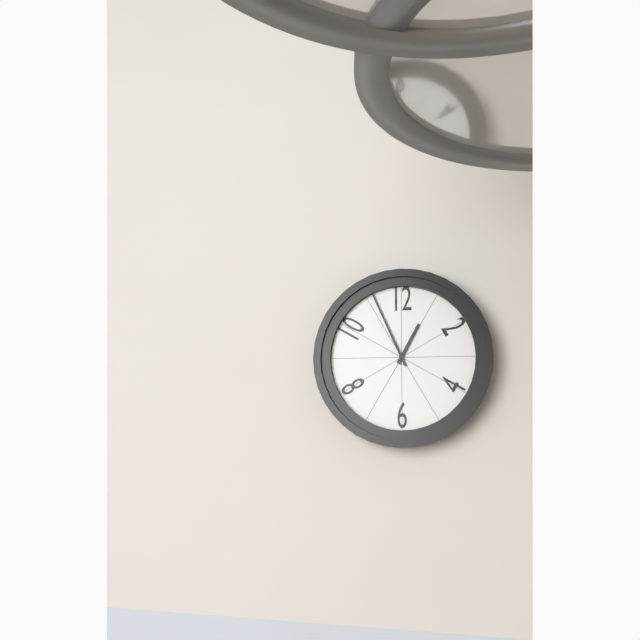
12:56
